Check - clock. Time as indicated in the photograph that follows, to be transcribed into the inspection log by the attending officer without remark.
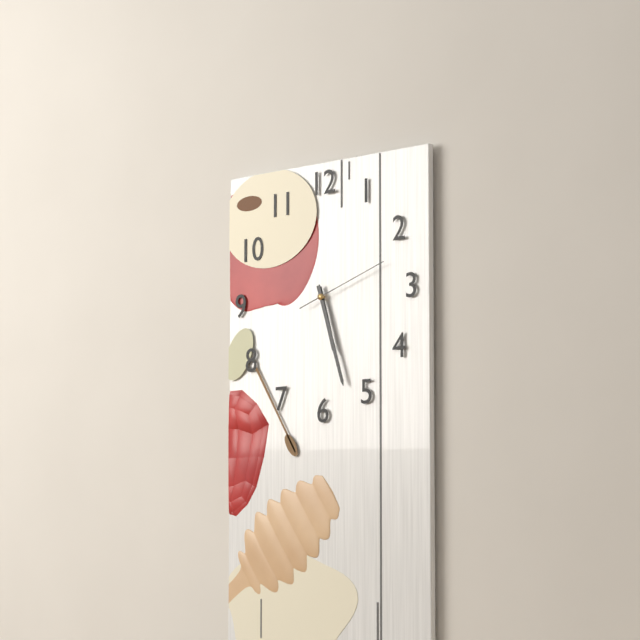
5:27:12
